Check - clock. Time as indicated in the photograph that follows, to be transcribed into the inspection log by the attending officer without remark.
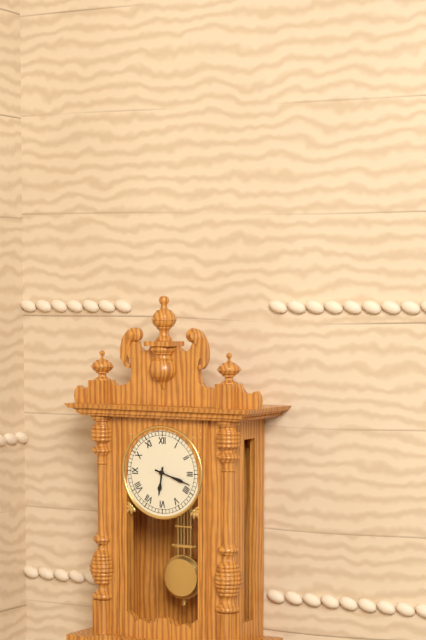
6:18
